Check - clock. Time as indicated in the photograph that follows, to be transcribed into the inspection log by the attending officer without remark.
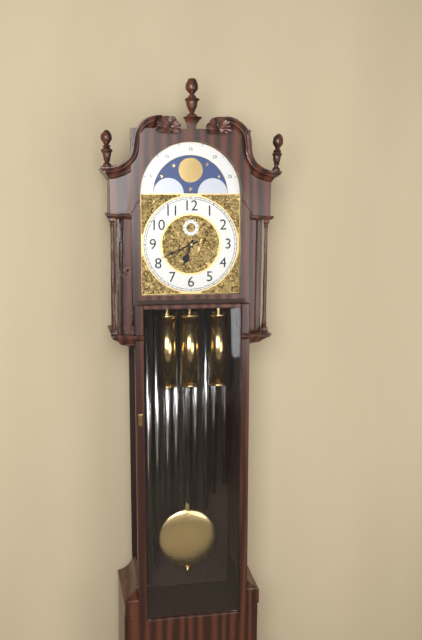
6:41
